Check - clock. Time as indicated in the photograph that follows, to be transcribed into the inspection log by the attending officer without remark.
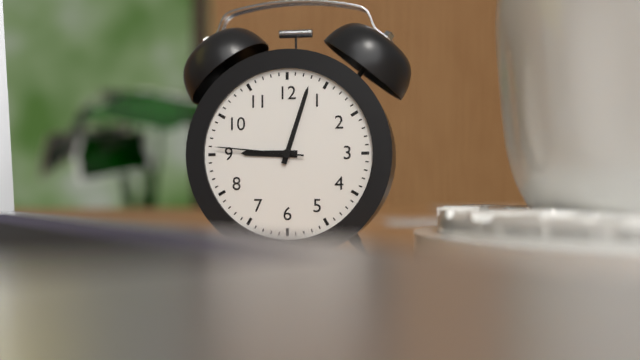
9:03:46
